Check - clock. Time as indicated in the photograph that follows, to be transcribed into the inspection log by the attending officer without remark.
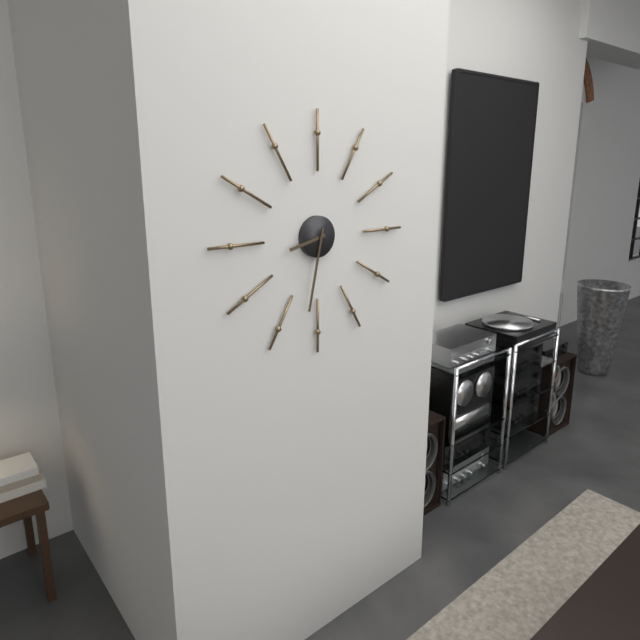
8:32
